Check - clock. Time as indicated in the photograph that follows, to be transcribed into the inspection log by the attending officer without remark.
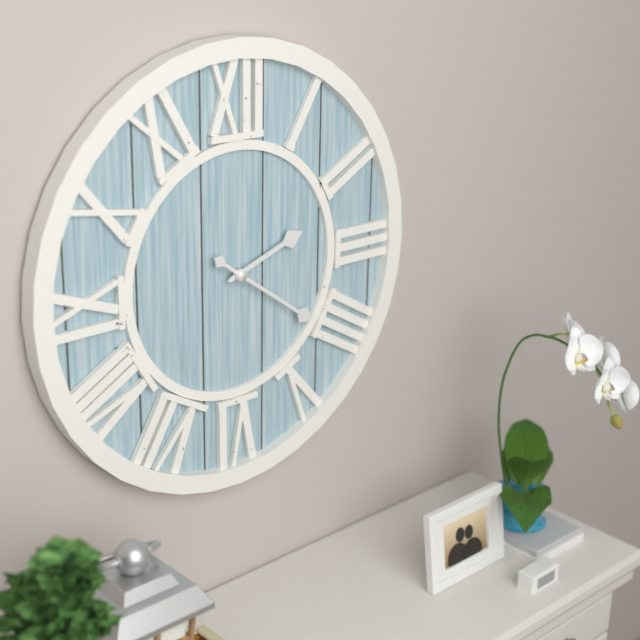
2:21
